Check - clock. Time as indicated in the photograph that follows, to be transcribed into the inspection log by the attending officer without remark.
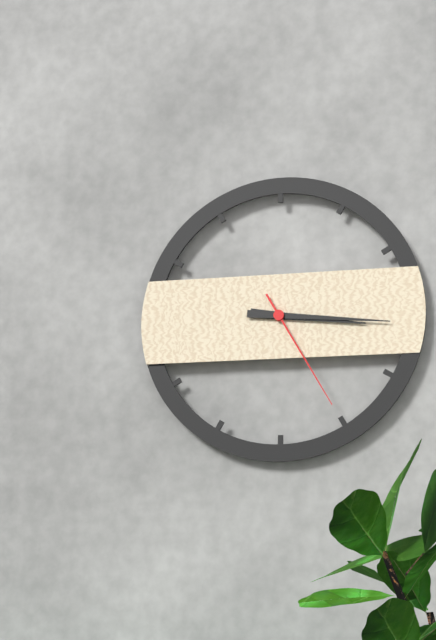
3:16:25
